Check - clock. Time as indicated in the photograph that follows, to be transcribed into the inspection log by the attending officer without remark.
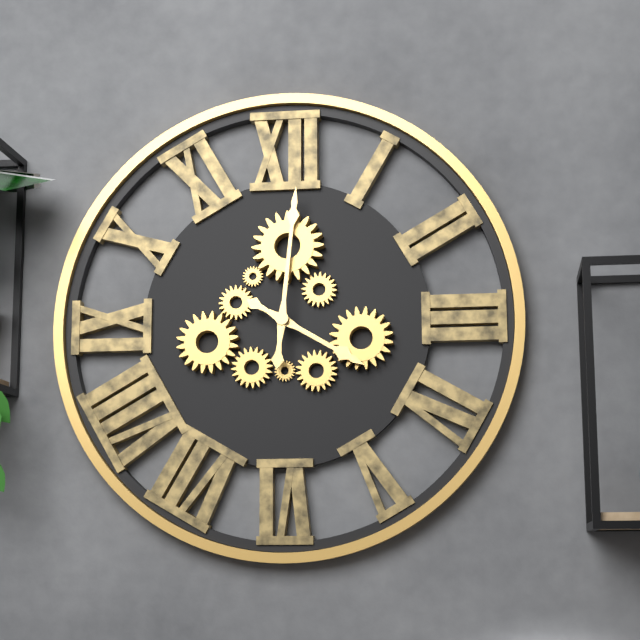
4:01
